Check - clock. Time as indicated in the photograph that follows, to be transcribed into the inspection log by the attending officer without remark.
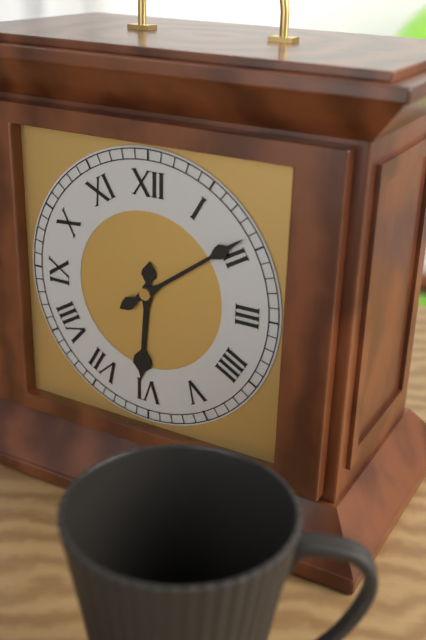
6:09
